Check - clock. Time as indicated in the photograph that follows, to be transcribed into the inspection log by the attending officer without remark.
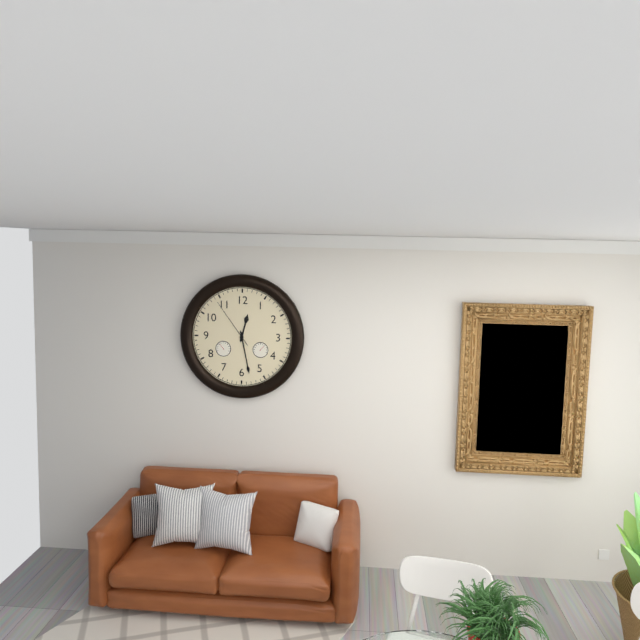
12:28:54
